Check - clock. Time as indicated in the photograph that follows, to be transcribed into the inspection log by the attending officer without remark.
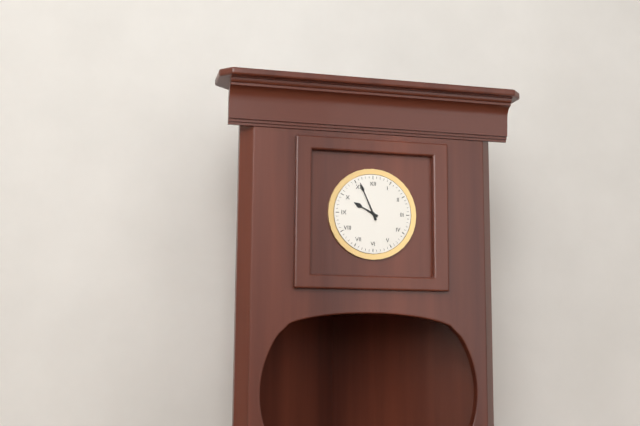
9:56
